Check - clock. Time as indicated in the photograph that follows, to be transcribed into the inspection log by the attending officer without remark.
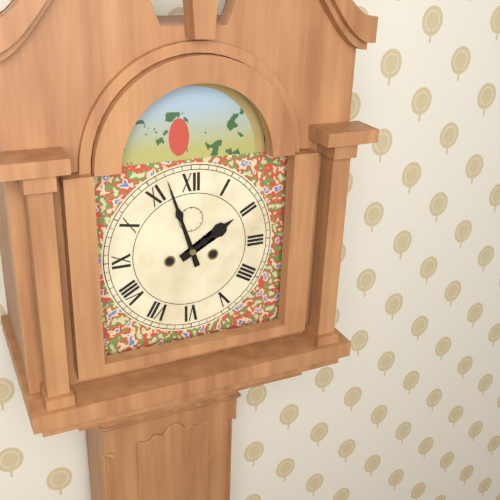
1:57
